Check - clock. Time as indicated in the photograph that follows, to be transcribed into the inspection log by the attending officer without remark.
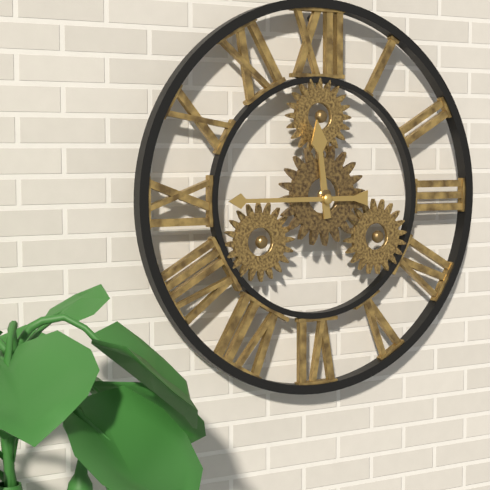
11:45
